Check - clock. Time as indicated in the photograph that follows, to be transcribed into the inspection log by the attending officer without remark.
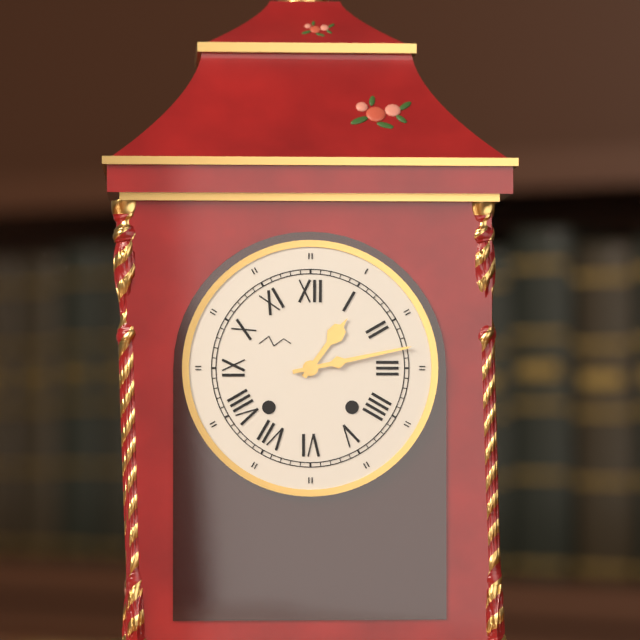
1:13
